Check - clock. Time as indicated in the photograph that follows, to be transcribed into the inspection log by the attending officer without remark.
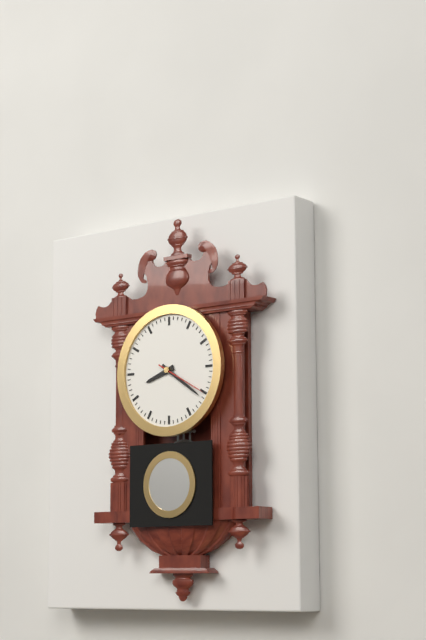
8:21
